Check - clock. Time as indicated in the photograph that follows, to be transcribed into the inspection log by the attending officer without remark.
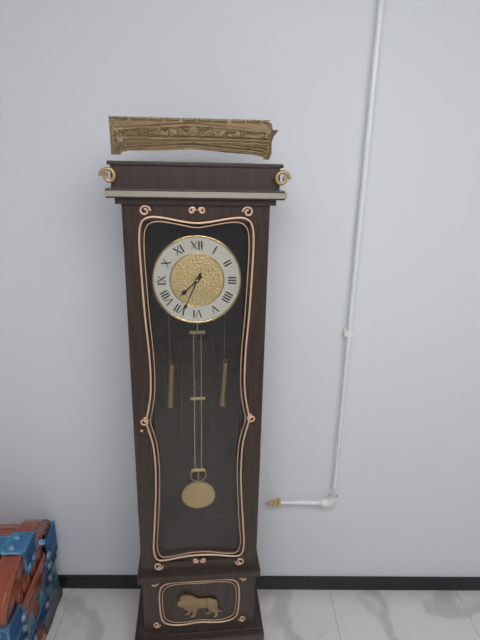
7:34
